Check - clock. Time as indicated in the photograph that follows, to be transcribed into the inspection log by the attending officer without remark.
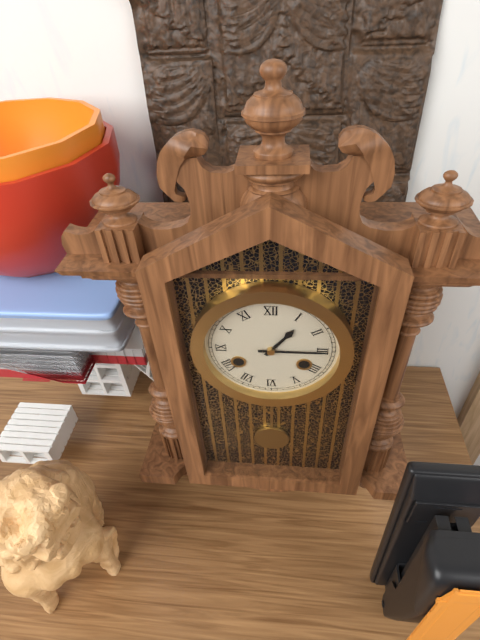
1:15
